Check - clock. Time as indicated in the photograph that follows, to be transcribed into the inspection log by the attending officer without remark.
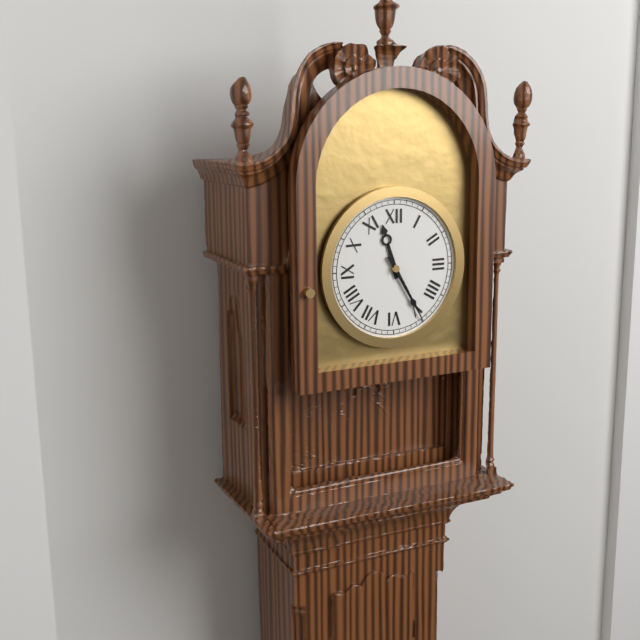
11:25
